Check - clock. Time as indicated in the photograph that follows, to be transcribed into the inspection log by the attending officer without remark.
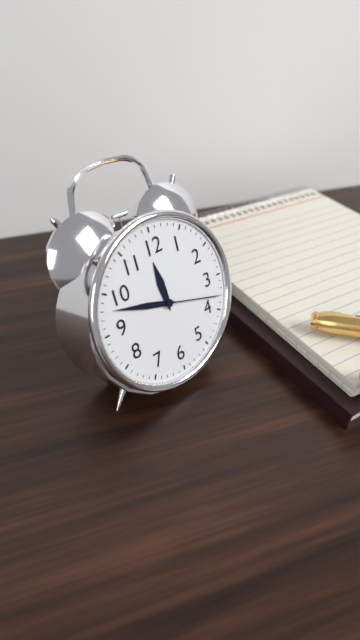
11:48:18
